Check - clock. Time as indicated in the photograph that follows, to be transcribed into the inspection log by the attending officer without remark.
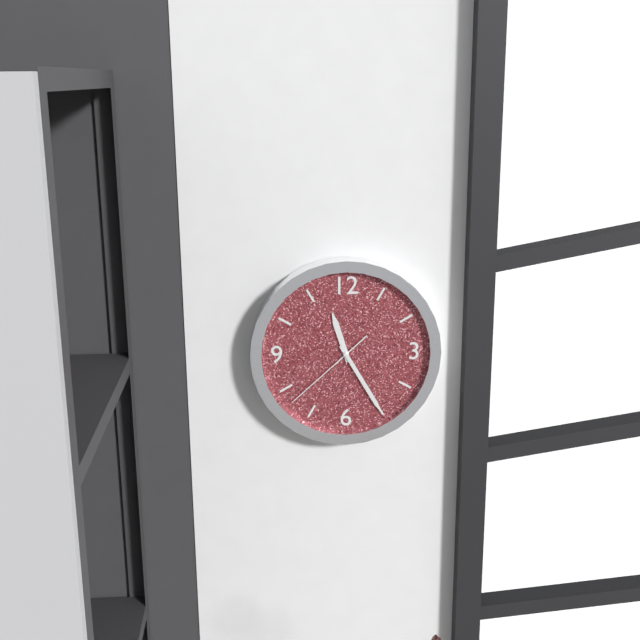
11:25:38
